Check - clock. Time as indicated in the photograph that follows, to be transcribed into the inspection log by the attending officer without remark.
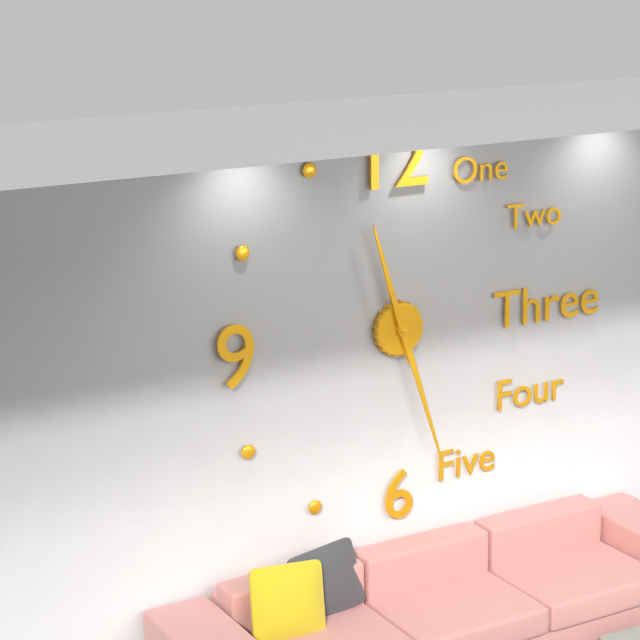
11:27
